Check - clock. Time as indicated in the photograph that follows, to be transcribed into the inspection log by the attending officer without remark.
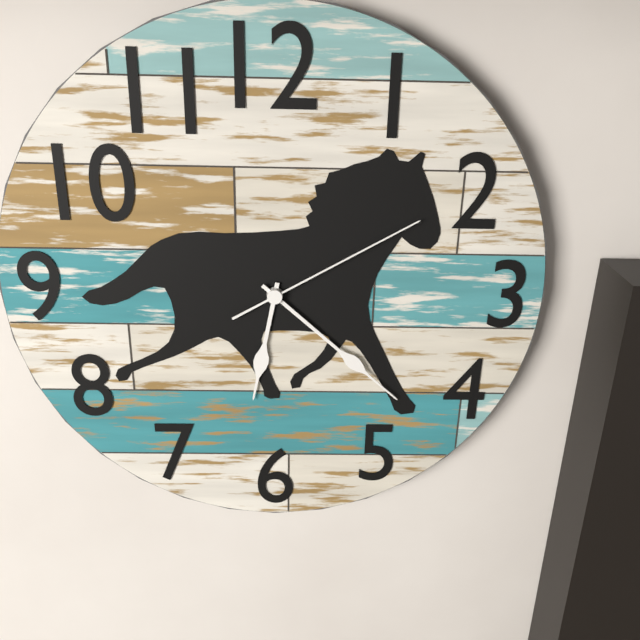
6:22:10
